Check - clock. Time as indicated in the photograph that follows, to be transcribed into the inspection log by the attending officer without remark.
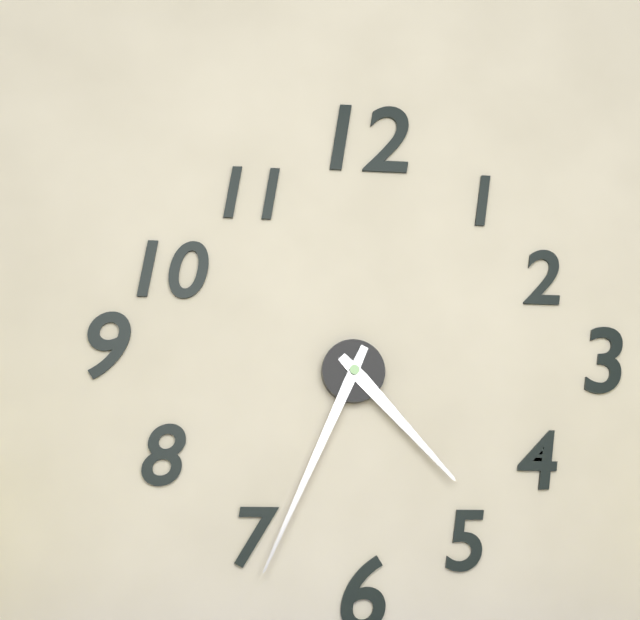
4:34
